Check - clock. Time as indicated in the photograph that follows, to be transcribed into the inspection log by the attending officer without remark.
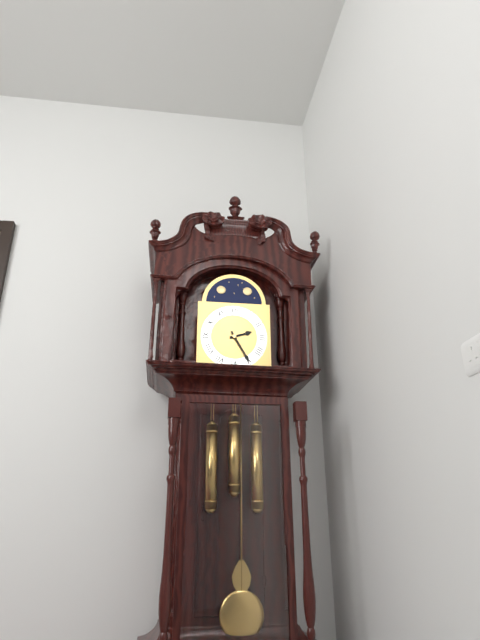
2:25
